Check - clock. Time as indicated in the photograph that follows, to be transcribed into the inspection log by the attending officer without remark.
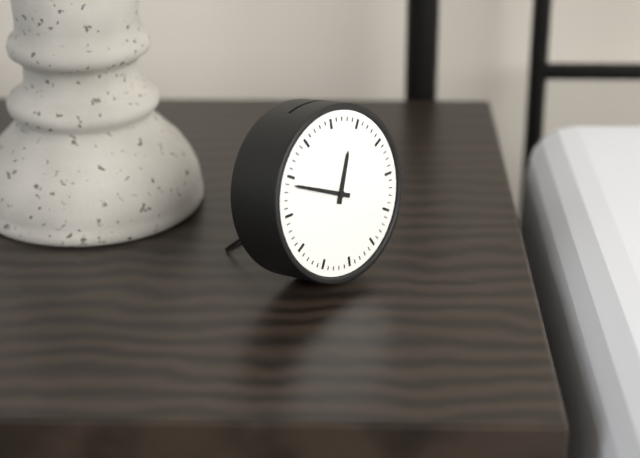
12:49
